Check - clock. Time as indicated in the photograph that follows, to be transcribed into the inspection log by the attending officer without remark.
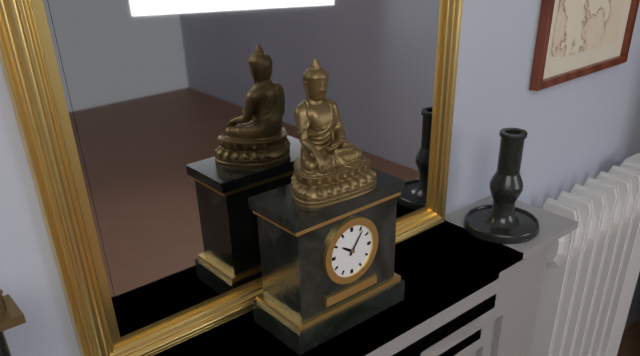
10:06
